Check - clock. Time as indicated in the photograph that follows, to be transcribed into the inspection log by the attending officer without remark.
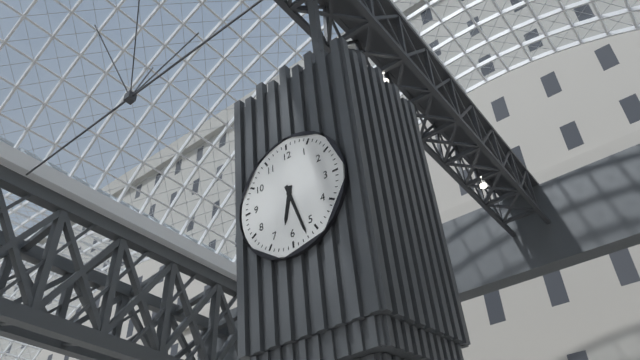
6:27
